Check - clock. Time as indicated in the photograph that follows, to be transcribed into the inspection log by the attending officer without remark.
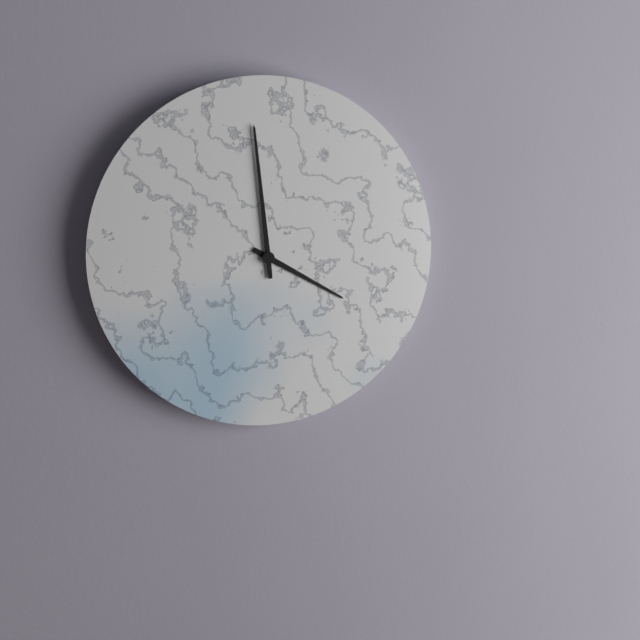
3:59
